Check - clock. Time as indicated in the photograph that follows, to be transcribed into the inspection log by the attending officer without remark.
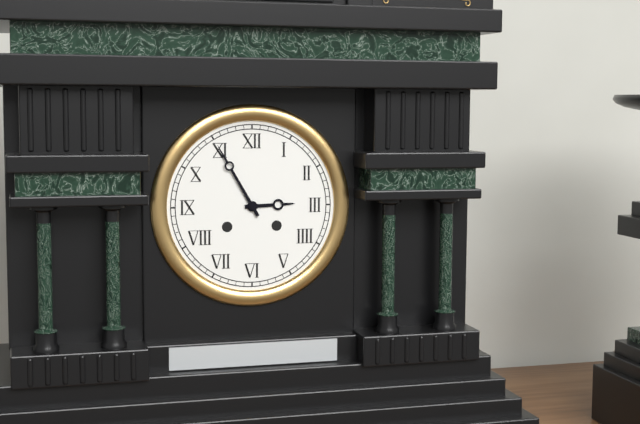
2:55
